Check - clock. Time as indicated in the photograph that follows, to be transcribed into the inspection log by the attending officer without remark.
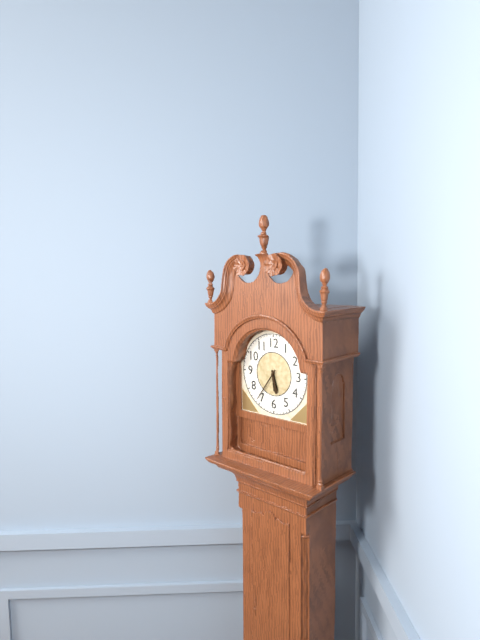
5:36
